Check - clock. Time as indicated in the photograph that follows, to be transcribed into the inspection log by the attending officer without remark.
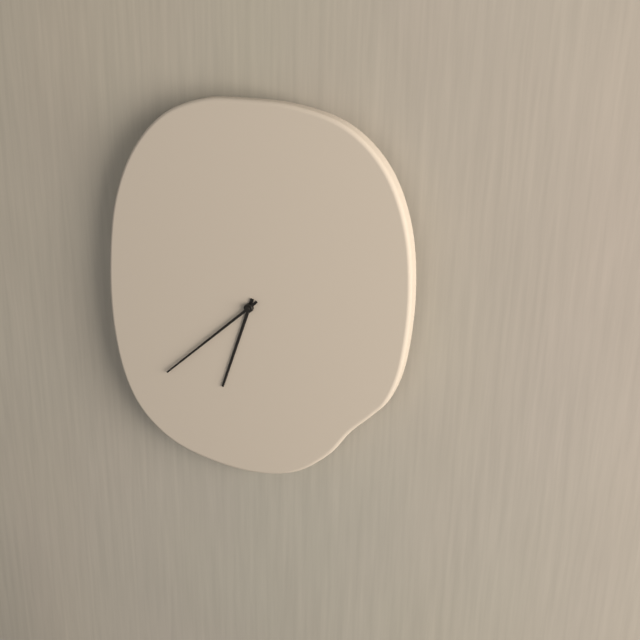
6:38
